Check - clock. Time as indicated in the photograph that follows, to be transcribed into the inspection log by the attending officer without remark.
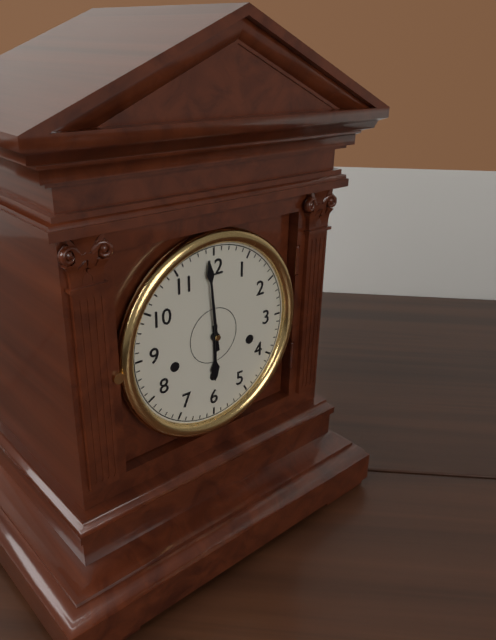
5:59
